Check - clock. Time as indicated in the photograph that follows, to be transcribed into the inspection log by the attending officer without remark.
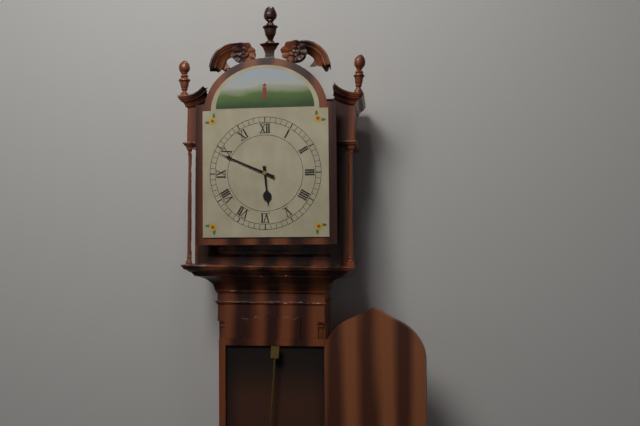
5:49
